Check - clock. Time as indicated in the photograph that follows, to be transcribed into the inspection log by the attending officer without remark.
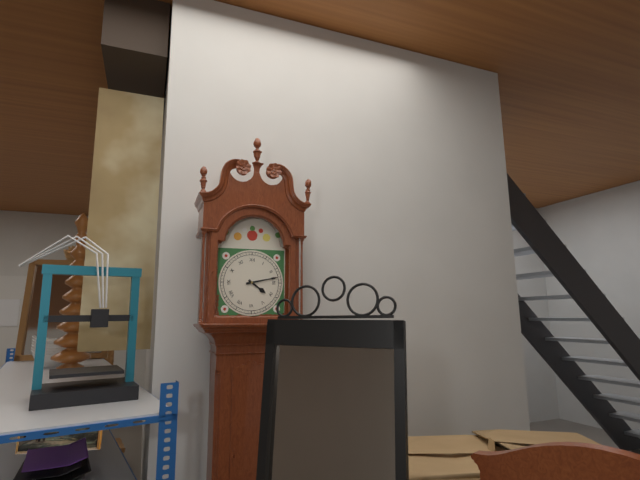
4:13
